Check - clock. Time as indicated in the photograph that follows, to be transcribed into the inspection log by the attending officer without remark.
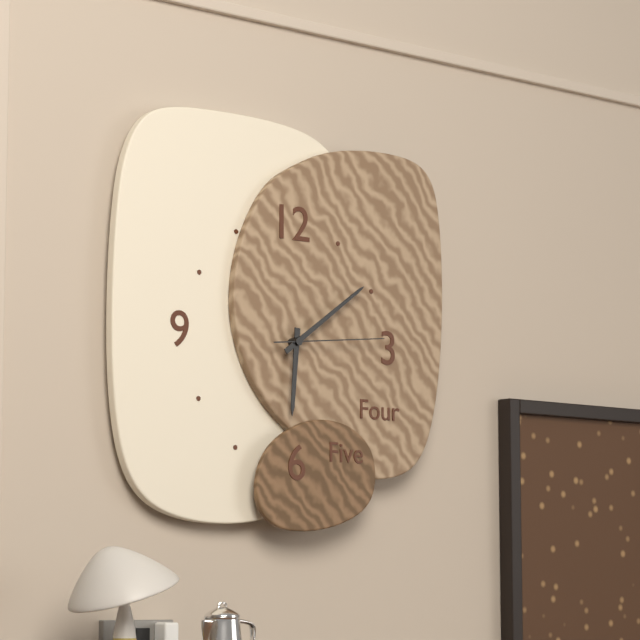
6:09:14
